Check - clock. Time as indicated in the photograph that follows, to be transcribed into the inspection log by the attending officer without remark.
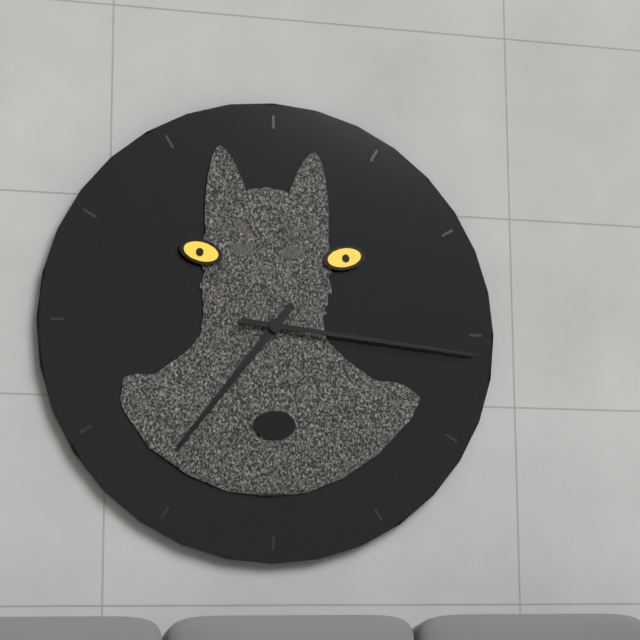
7:16
